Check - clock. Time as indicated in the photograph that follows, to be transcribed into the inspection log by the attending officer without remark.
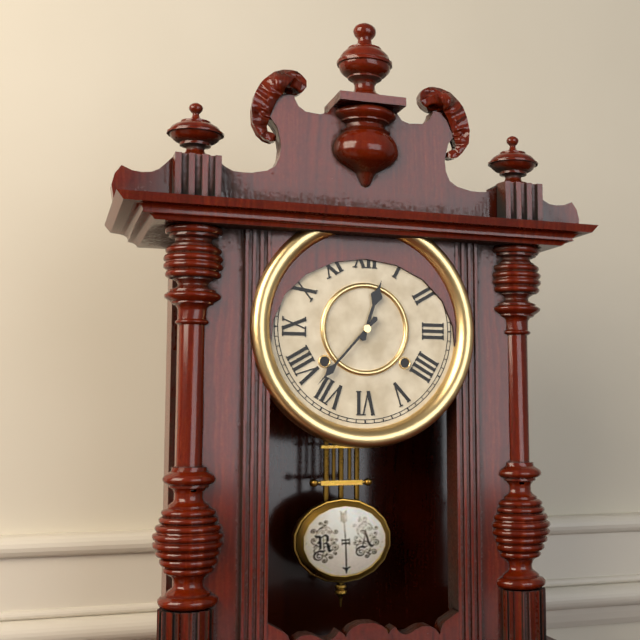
12:37
